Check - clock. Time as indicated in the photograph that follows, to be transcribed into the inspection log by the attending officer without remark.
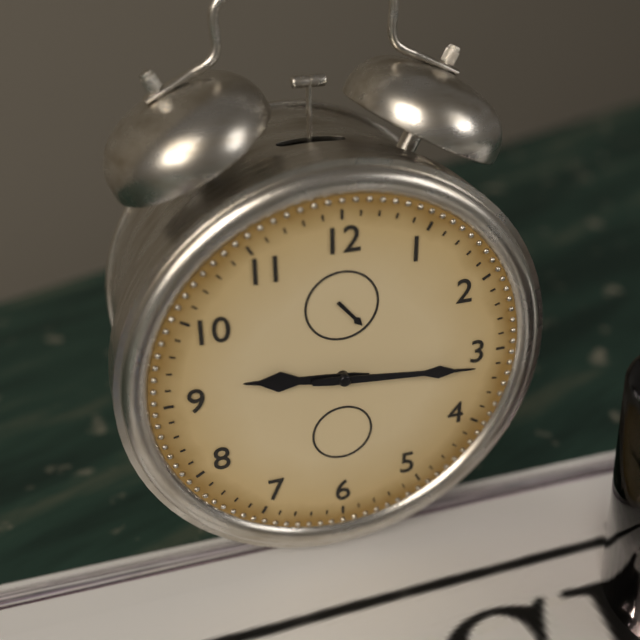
9:16
